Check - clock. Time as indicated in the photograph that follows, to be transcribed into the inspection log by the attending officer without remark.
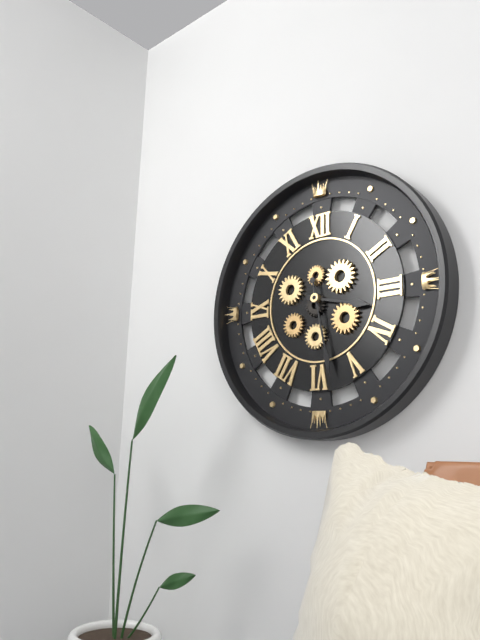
3:28
